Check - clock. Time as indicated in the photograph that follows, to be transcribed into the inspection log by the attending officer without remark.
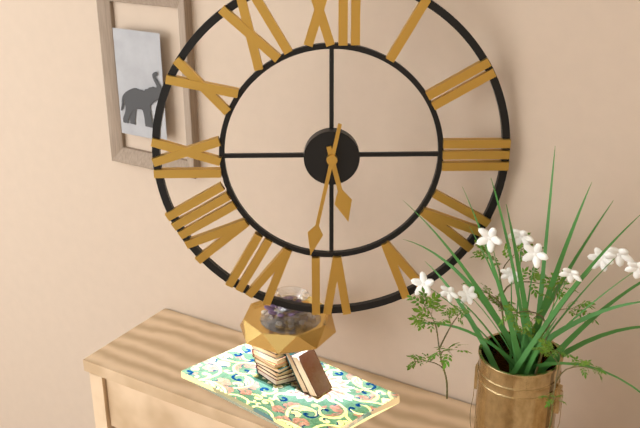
5:32
